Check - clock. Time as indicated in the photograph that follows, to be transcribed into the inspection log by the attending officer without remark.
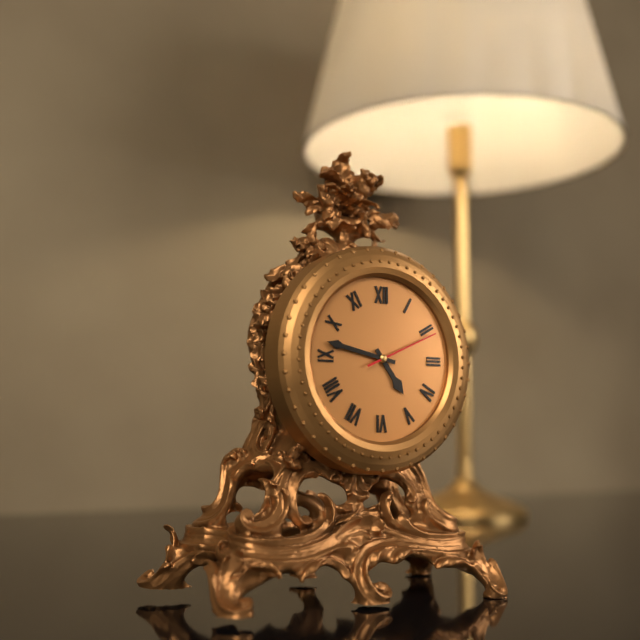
4:47:11
